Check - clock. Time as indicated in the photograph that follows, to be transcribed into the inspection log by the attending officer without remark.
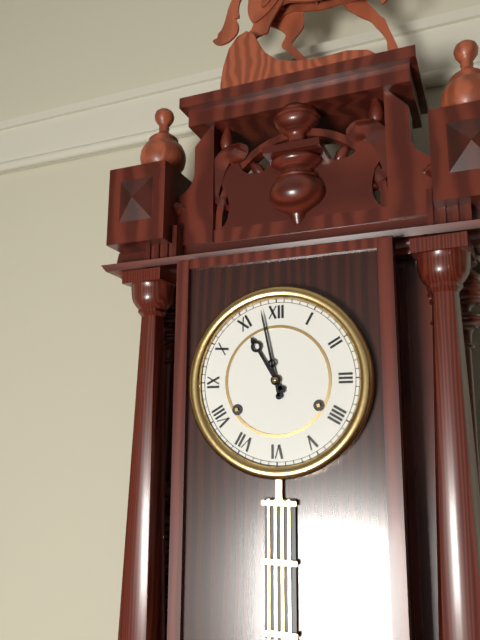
10:58
